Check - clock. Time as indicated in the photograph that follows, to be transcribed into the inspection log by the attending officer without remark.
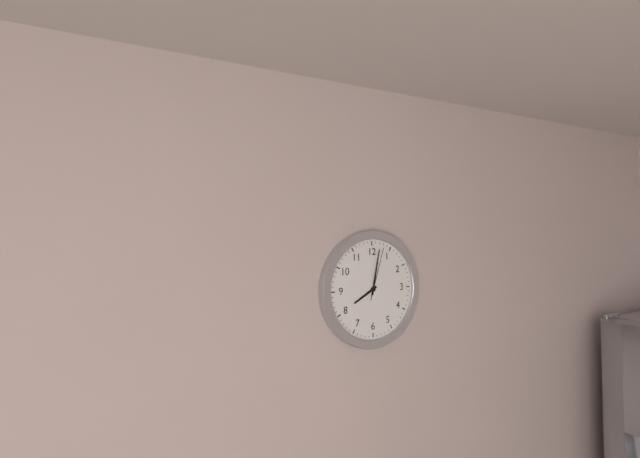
8:02:03
